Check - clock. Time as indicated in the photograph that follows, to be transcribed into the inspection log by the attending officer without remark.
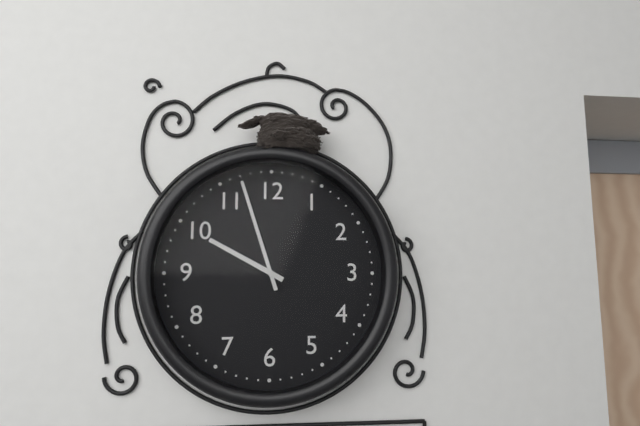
9:57
